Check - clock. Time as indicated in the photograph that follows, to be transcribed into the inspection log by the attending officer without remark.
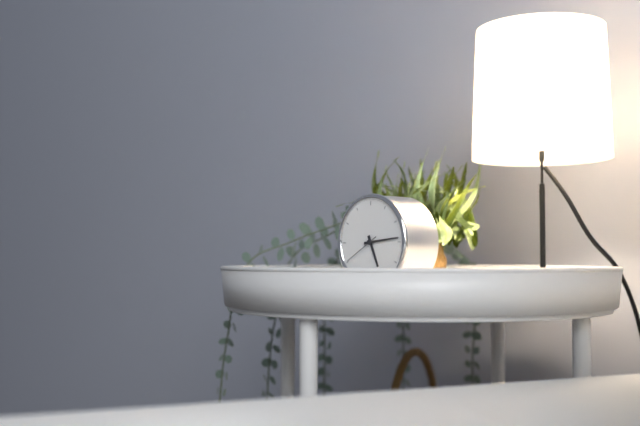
5:14
